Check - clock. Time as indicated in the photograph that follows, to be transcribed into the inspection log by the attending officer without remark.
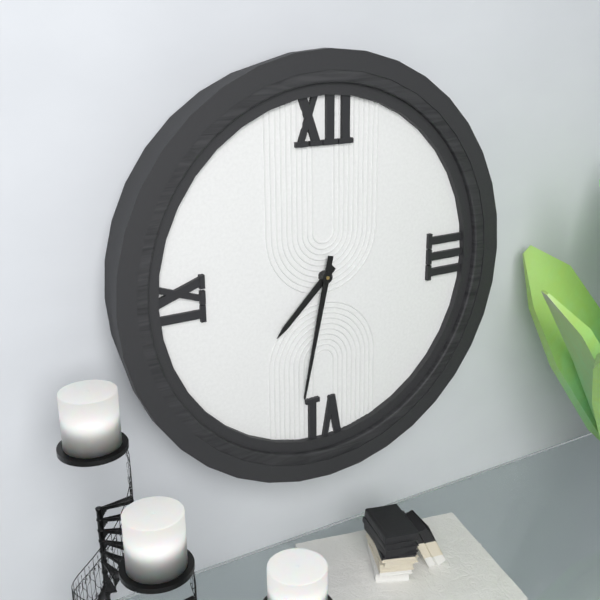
7:32
